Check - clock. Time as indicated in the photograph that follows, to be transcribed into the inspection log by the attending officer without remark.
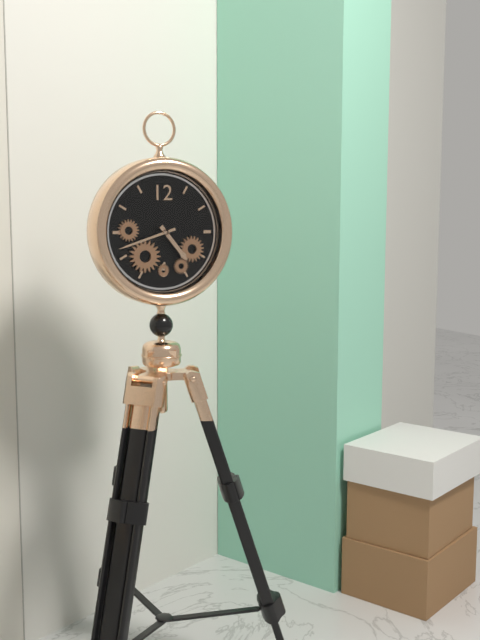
4:42
